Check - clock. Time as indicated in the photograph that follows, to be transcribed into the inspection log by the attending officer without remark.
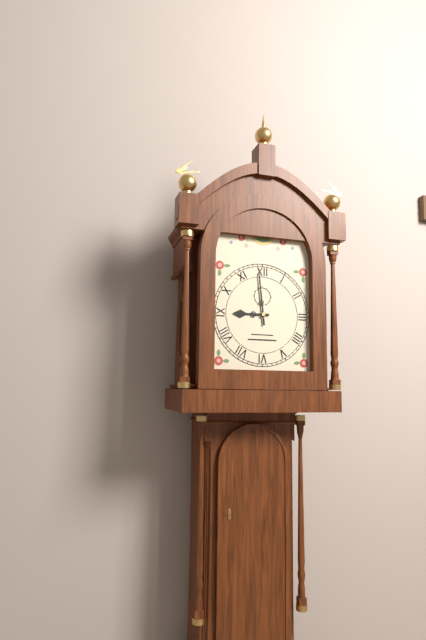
8:59
